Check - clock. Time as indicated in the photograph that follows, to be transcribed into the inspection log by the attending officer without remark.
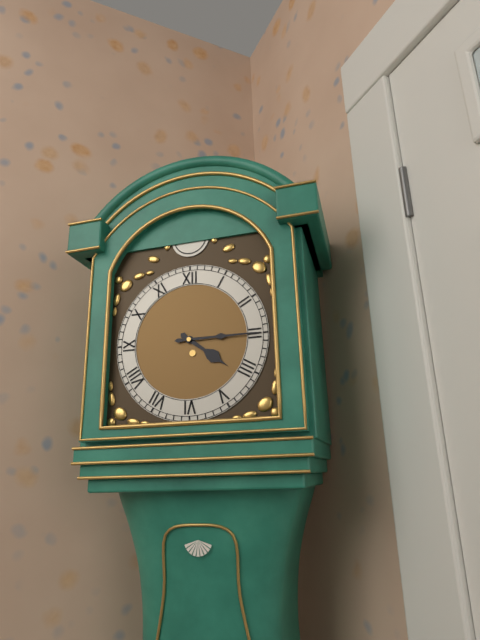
4:15
